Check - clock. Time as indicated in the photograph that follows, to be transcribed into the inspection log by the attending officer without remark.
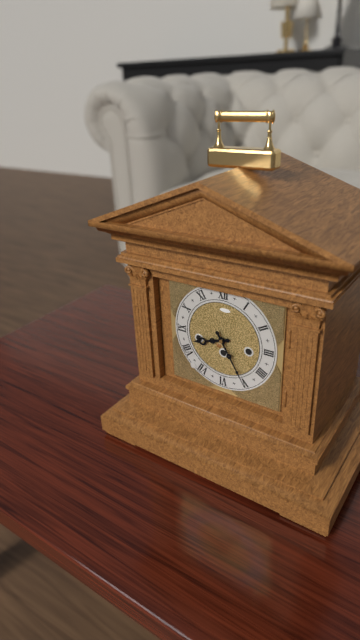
8:25
